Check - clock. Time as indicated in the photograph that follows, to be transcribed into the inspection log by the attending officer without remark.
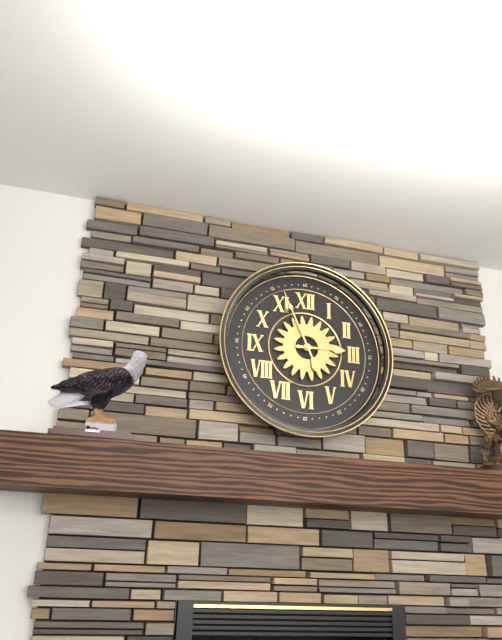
2:56
